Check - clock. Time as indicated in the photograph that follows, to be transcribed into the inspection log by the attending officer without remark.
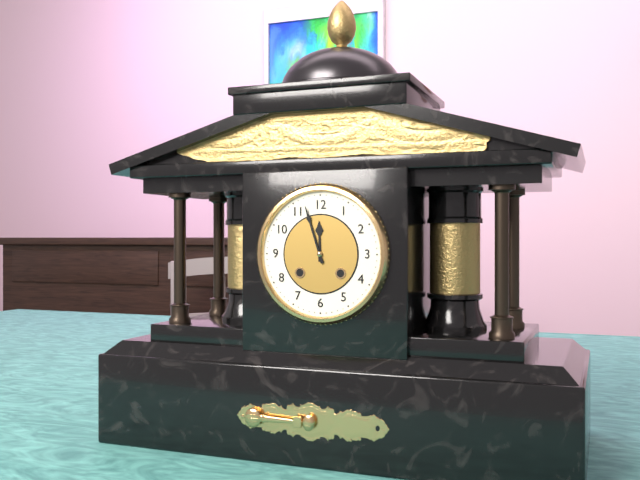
11:57
